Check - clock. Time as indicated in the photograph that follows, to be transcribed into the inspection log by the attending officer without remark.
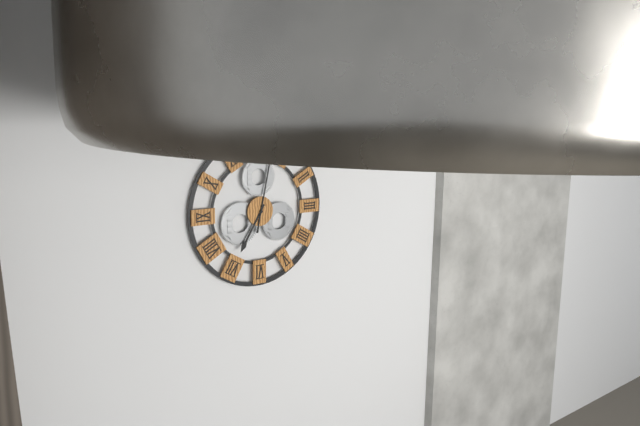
7:02
